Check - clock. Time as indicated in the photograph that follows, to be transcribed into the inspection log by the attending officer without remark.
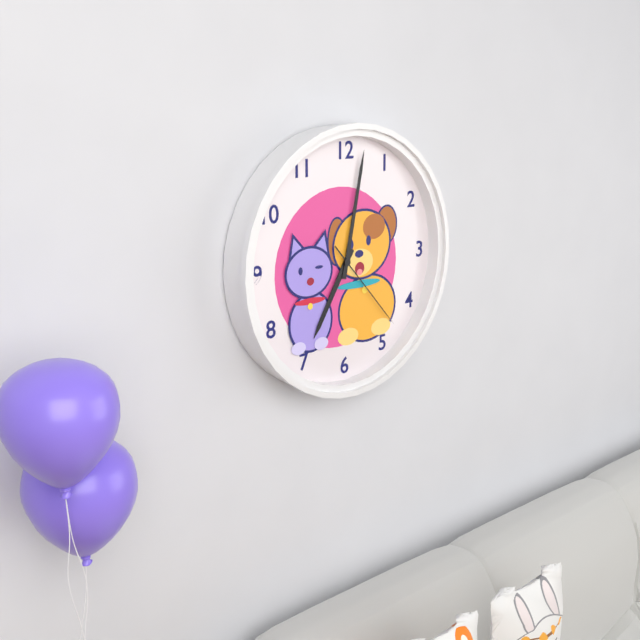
7:02:23
